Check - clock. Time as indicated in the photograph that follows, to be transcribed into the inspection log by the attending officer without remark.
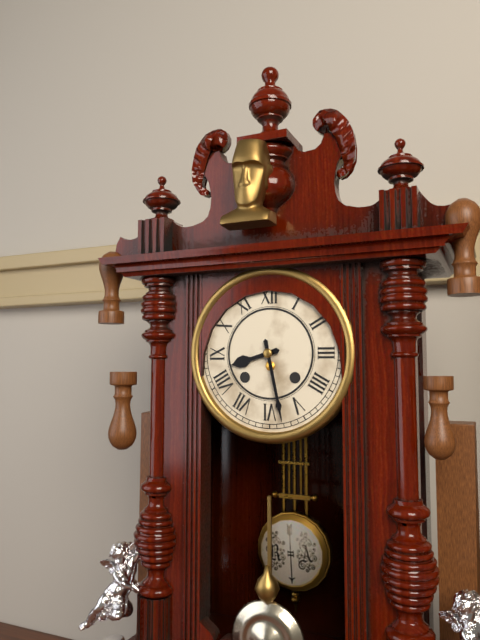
8:28
